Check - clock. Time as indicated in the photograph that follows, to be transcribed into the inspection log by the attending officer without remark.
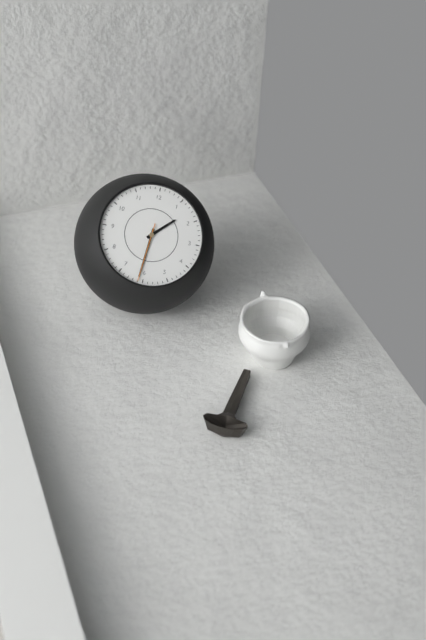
1:31:31
